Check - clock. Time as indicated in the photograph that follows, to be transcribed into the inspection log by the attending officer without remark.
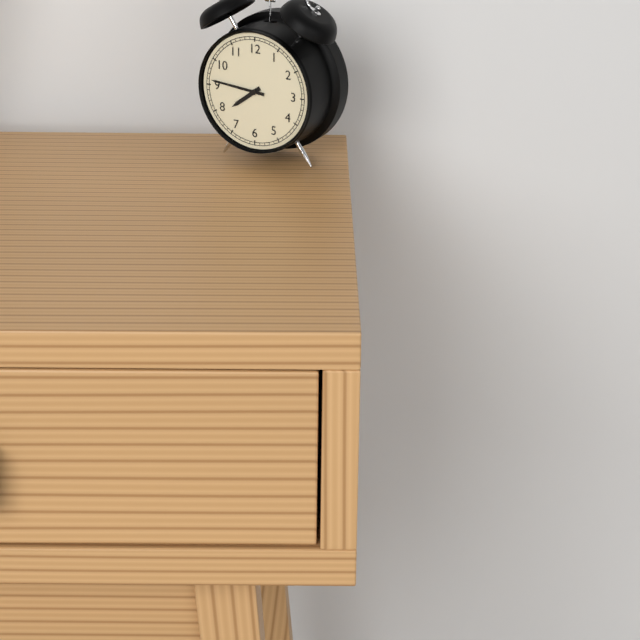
7:46
